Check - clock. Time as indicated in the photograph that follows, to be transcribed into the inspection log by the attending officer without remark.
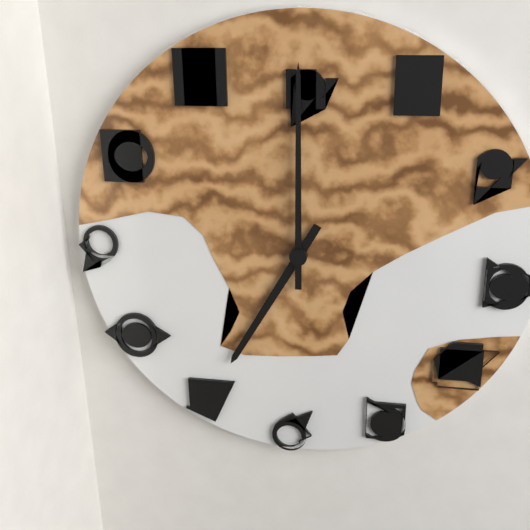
7:00
